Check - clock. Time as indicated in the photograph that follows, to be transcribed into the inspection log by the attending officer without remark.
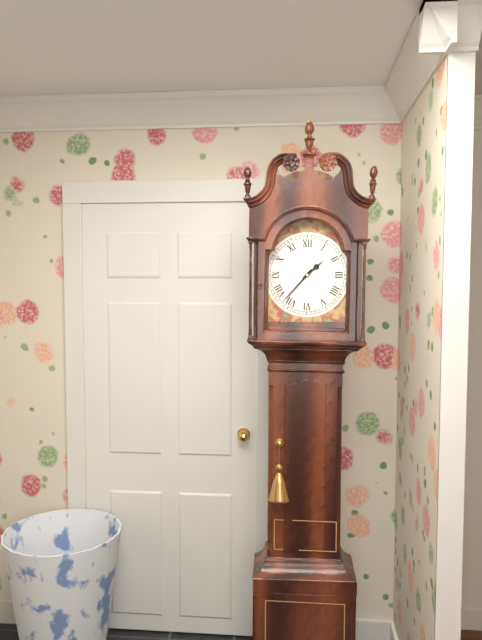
1:37
